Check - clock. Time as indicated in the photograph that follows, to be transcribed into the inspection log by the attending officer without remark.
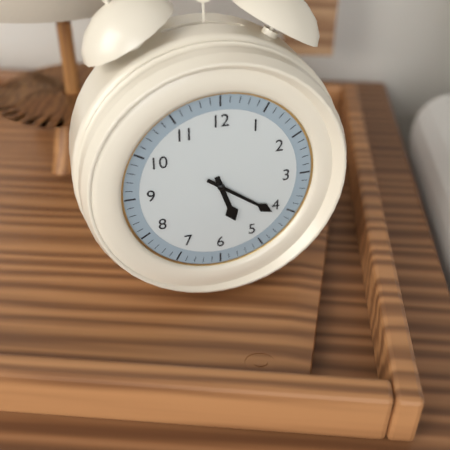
5:21
